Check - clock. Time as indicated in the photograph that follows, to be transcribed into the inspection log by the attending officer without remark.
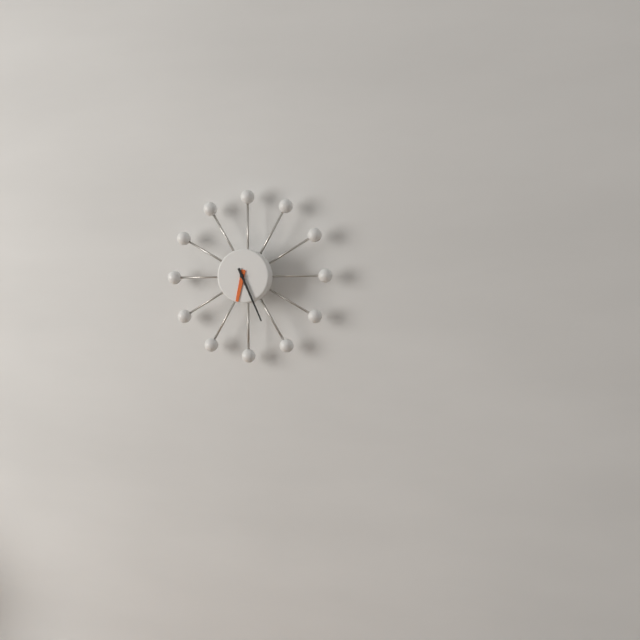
6:26
